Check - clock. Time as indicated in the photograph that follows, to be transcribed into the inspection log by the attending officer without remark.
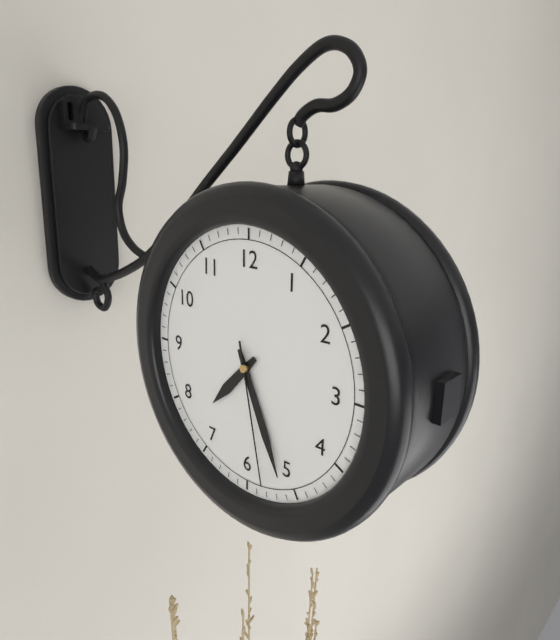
7:26:28
